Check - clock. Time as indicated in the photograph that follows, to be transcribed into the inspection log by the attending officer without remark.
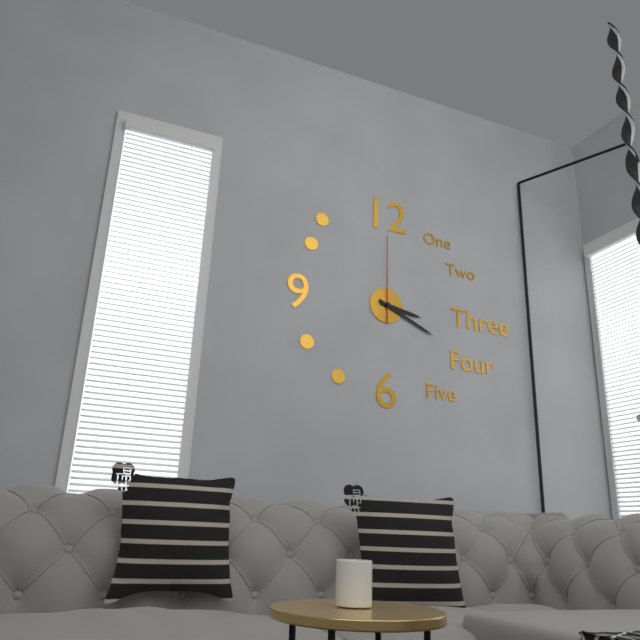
3:19:00
